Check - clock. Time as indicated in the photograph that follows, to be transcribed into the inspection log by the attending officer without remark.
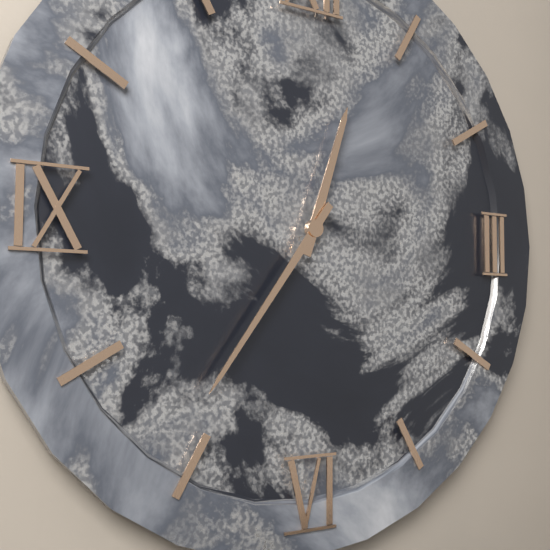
12:36
